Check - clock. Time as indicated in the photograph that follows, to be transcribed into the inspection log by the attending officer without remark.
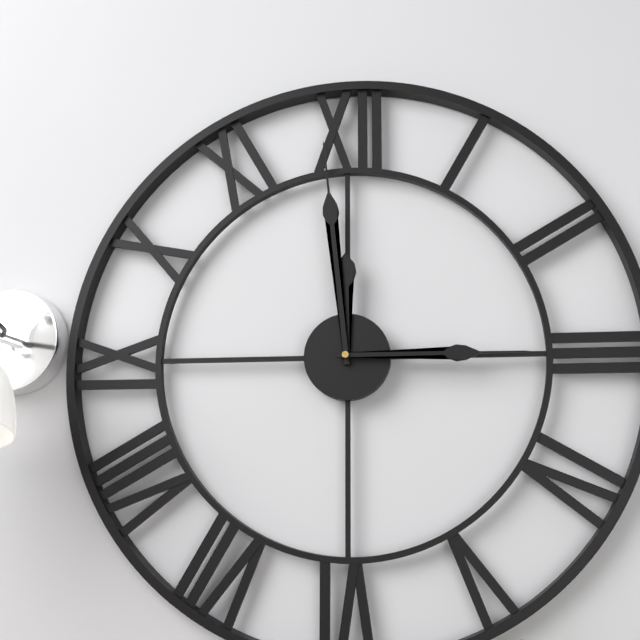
11:59:15
